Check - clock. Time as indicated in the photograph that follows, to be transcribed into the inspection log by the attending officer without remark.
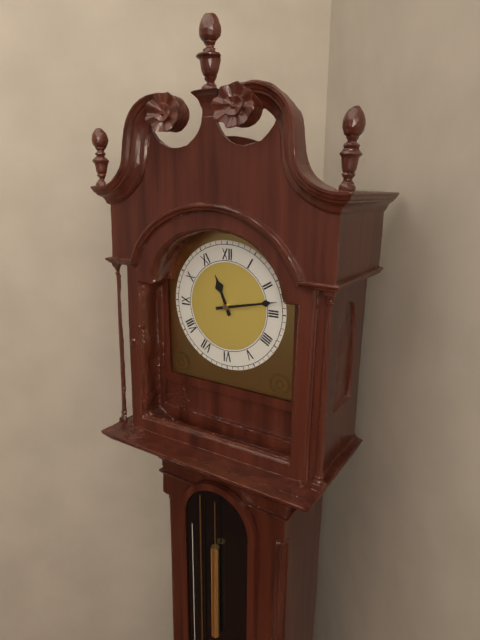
11:13
